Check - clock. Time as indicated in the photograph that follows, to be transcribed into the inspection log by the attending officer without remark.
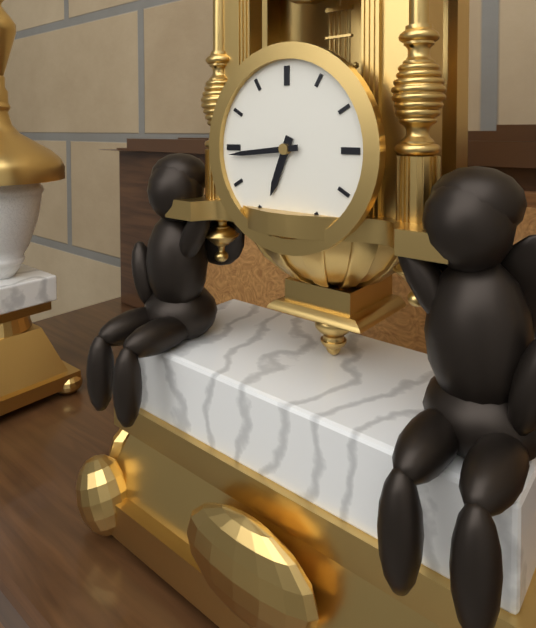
6:44
